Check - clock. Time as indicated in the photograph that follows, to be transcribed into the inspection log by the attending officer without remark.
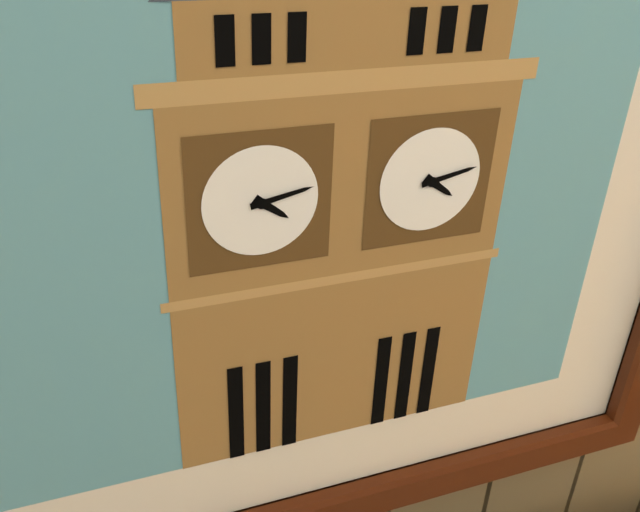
4:13
